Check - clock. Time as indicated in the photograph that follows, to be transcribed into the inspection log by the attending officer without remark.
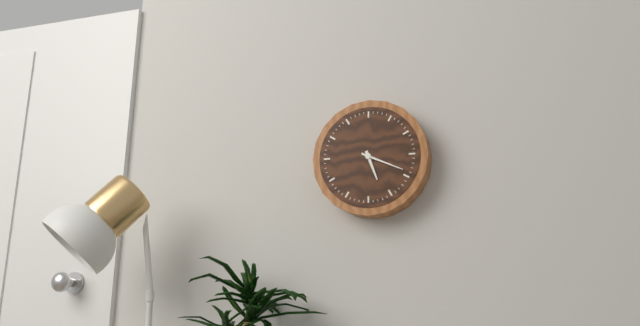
5:19
